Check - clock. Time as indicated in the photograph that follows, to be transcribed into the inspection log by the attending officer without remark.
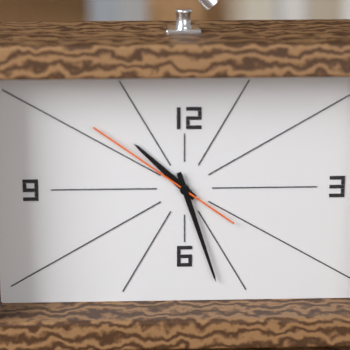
10:27:51
